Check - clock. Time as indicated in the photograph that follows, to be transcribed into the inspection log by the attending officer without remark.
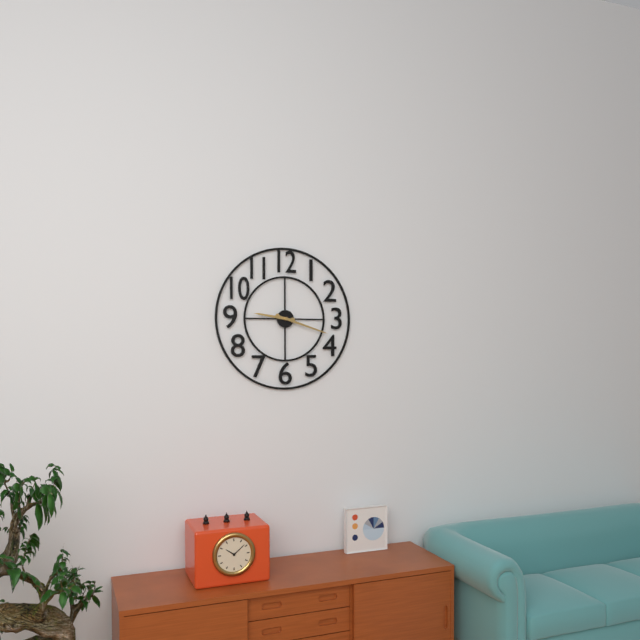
9:18
